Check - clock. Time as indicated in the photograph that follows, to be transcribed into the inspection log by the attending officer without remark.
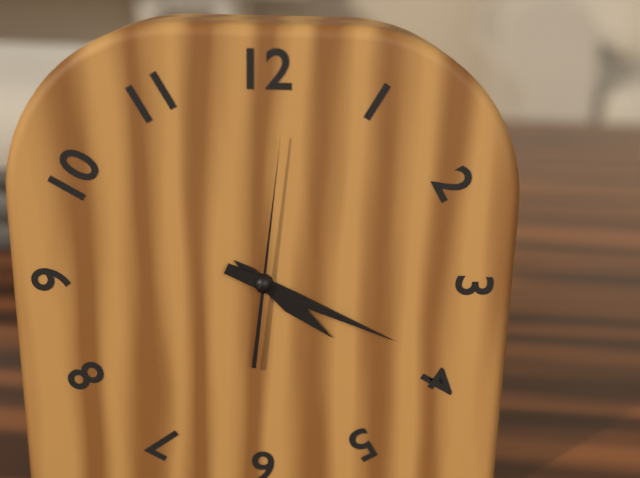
4:19:01
